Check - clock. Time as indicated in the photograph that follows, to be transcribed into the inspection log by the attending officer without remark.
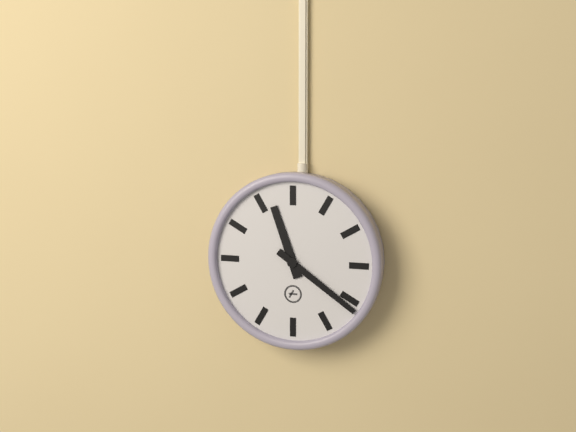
11:21
